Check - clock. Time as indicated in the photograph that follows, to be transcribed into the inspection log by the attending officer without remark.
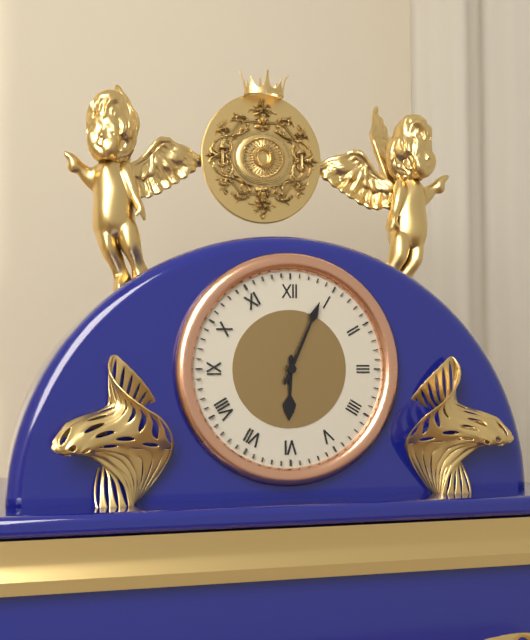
6:04
